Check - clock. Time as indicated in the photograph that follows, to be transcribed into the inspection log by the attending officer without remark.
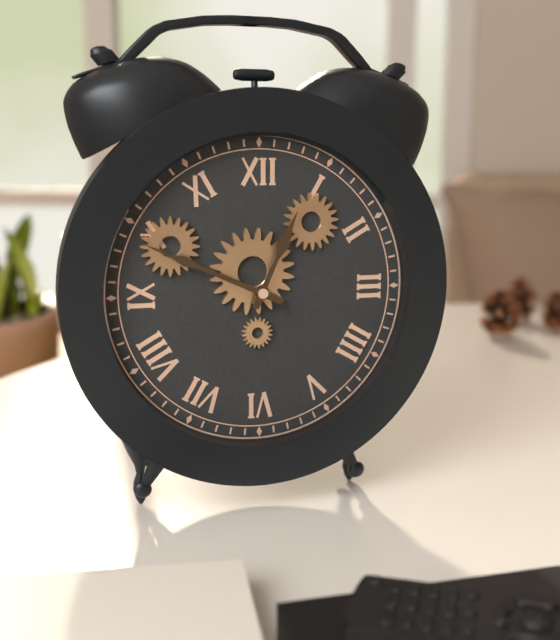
12:49
